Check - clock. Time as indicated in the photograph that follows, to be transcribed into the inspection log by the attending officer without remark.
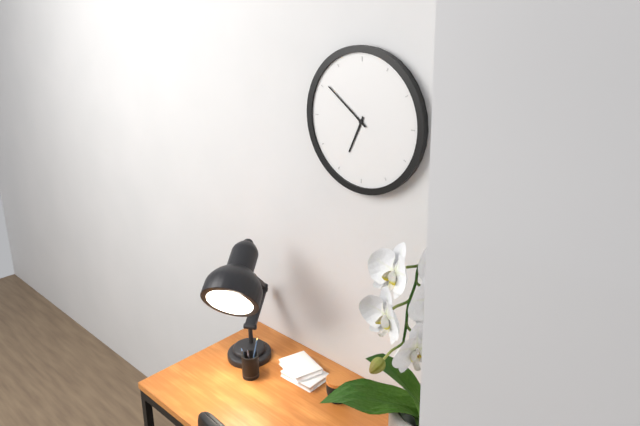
6:51
